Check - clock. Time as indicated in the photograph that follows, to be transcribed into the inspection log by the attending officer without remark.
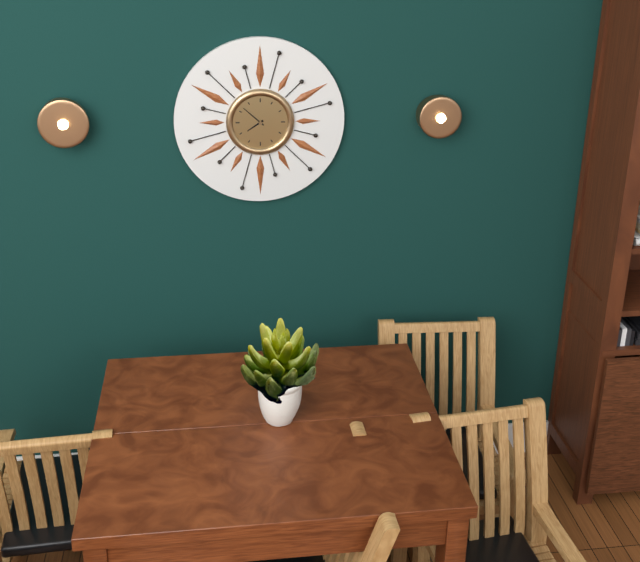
7:52
